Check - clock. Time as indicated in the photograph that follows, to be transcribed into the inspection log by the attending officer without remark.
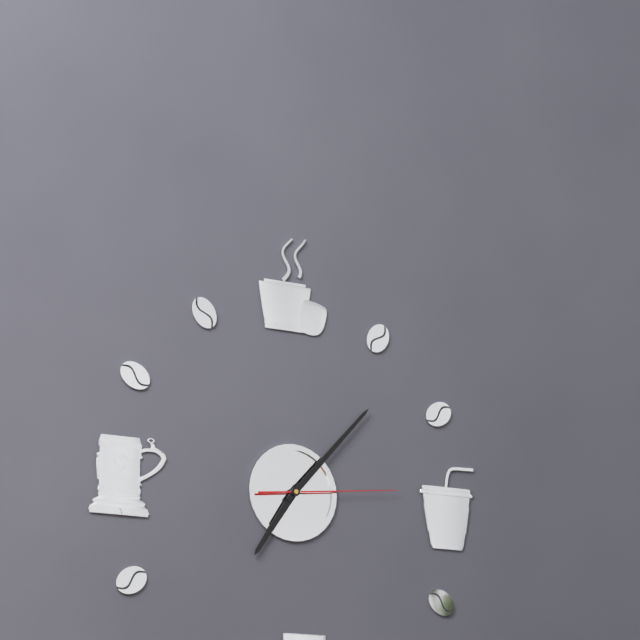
7:07:14
